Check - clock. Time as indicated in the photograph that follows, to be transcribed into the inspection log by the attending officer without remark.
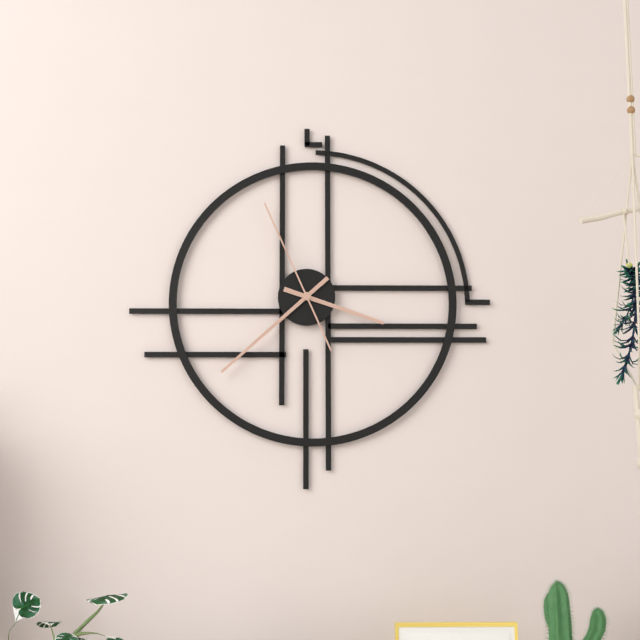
3:38:56
